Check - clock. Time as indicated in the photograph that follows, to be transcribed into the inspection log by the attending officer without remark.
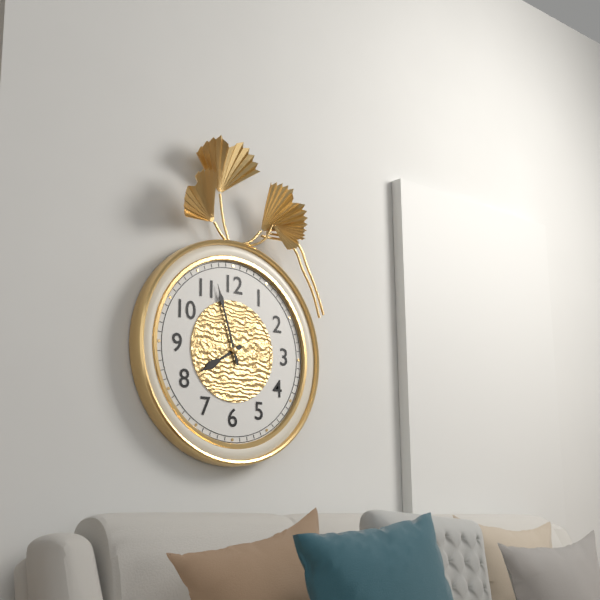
7:57
